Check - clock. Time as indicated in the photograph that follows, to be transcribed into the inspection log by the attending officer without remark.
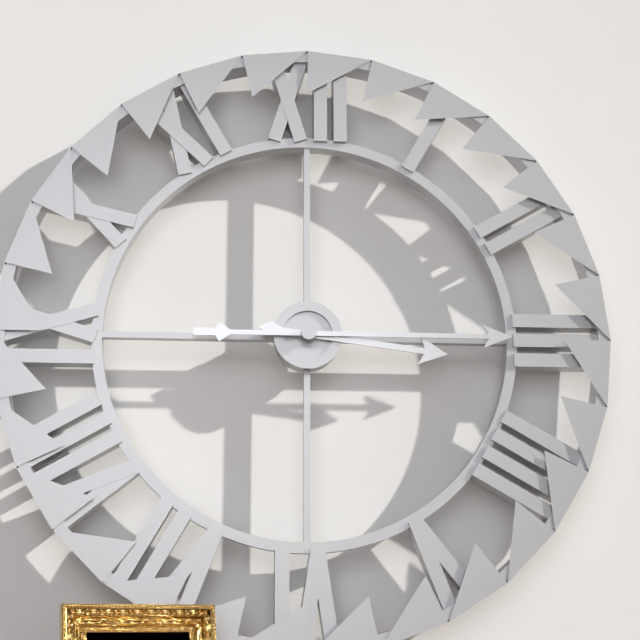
3:15
